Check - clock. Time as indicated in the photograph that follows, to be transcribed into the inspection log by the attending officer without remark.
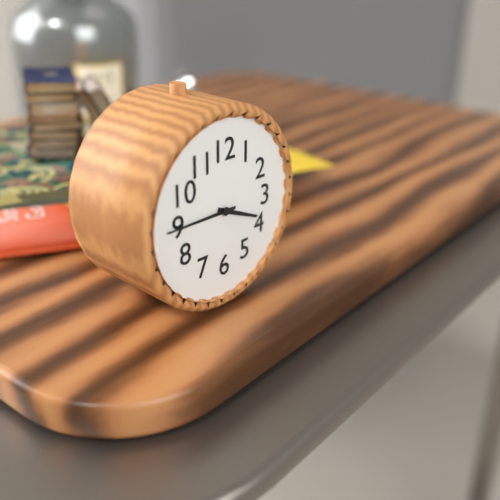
3:45
